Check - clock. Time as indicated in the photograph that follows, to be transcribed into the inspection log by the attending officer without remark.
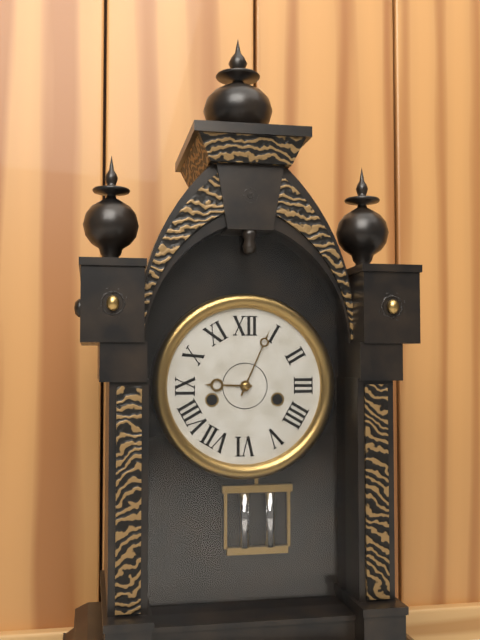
9:04
